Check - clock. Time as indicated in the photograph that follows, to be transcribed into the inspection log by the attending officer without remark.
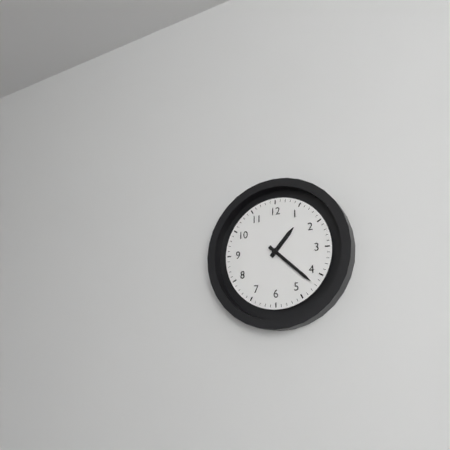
1:22
